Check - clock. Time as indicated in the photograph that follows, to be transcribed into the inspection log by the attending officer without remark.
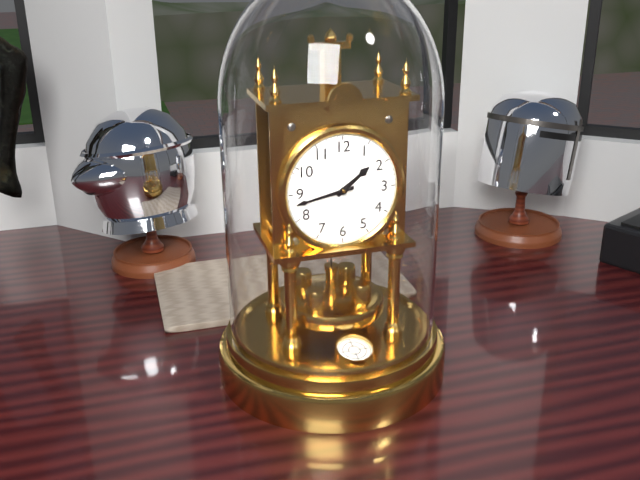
1:43
